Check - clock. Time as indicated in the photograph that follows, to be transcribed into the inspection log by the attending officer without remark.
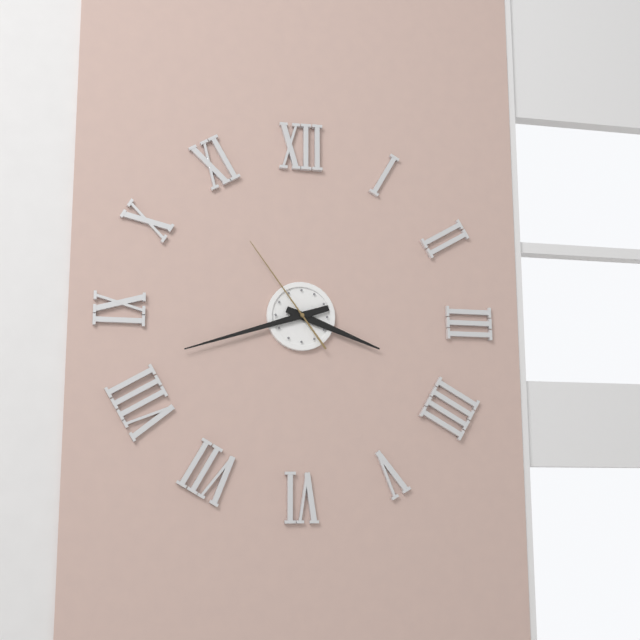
3:42:54
